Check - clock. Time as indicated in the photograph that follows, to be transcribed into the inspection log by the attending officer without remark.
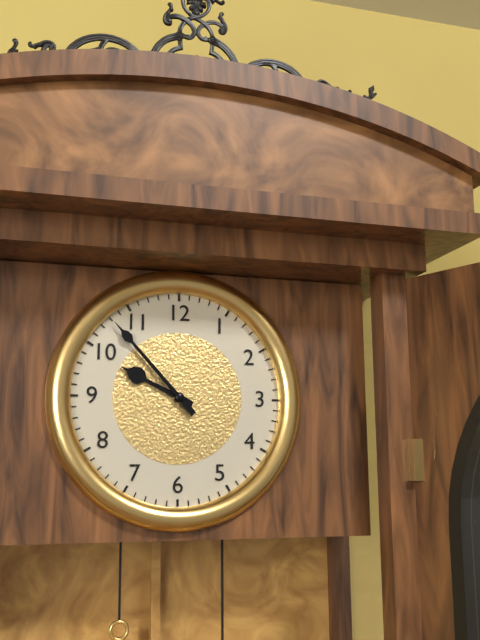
9:53
